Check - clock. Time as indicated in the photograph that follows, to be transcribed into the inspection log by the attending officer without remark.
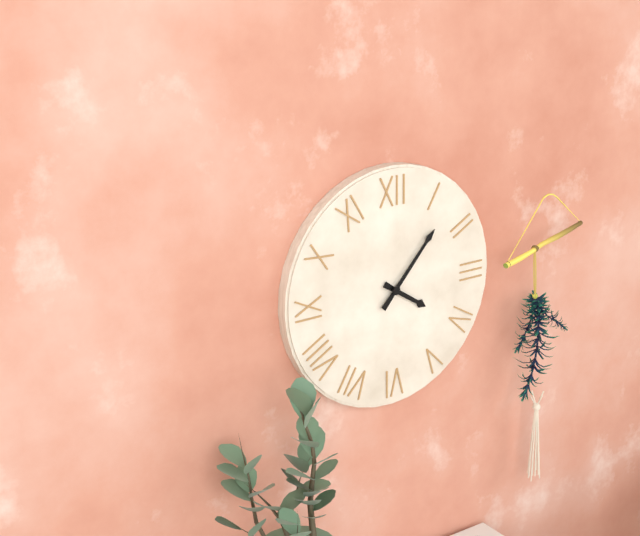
4:07
